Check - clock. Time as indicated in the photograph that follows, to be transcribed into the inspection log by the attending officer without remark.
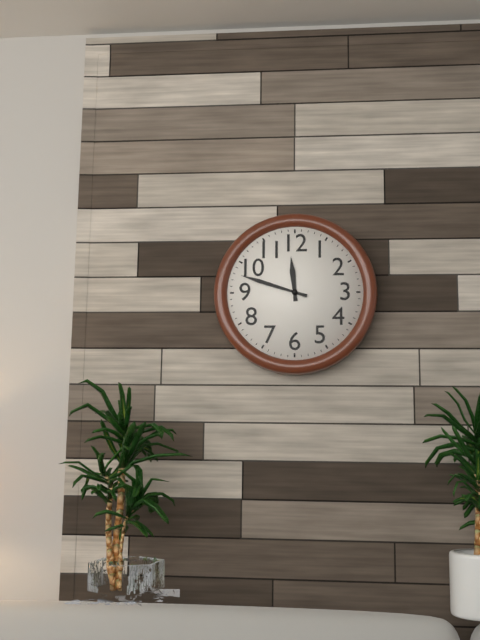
11:48
